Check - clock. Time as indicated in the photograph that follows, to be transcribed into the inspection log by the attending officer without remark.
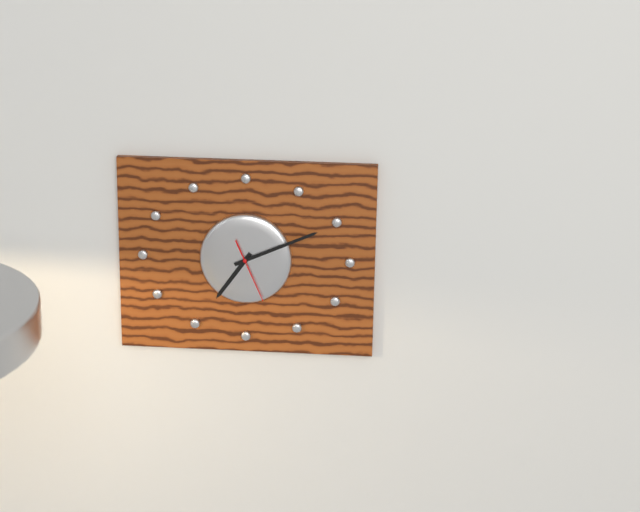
7:11:26
